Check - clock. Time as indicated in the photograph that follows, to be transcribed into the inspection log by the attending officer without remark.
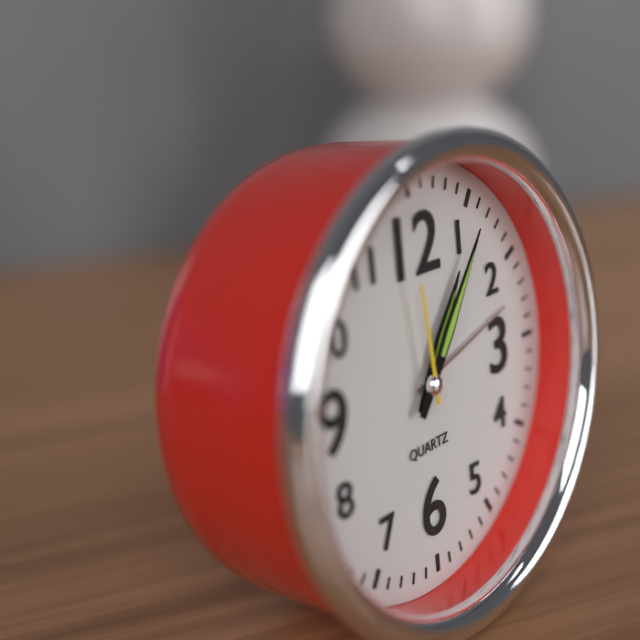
1:06:59
